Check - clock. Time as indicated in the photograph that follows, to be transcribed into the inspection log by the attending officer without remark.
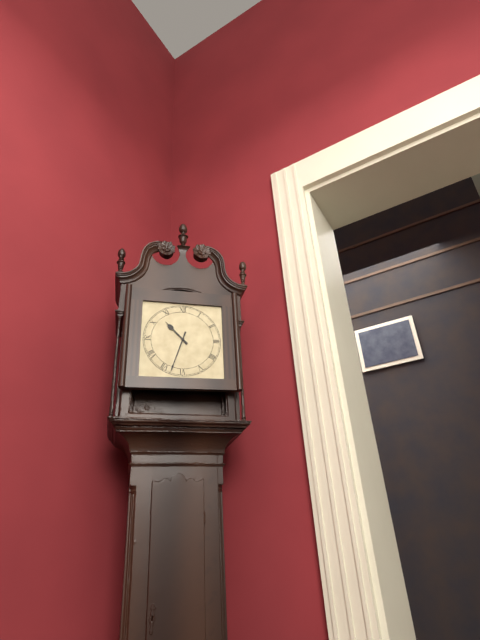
10:33
